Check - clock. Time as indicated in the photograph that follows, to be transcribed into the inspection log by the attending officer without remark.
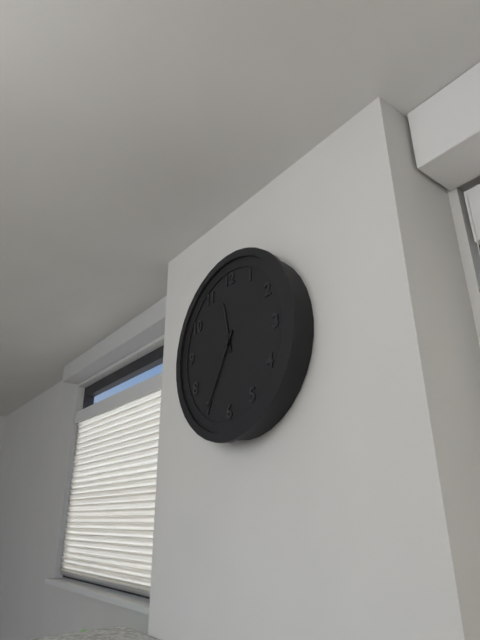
11:35
